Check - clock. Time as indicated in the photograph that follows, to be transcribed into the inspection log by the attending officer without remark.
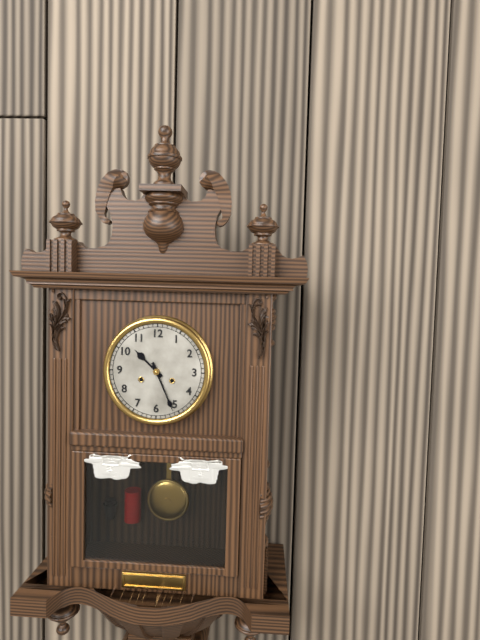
10:26
